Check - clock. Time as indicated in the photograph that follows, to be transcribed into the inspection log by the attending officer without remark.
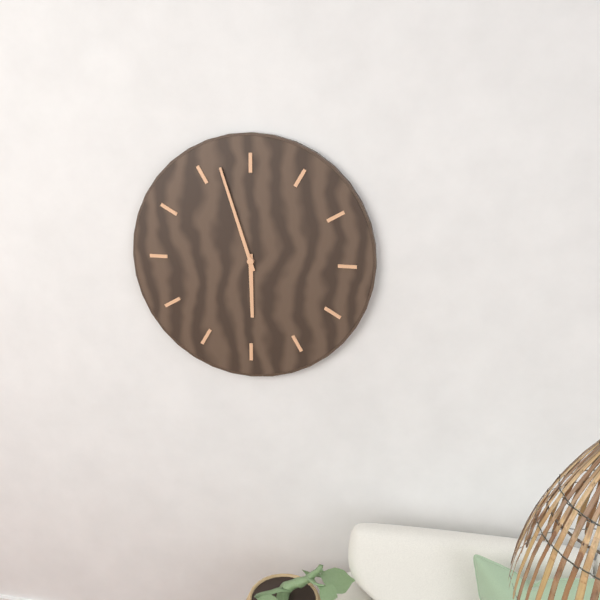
5:57
